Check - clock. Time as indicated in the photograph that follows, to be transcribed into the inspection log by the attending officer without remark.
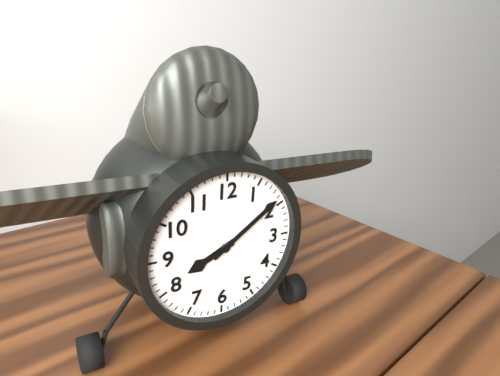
8:09
